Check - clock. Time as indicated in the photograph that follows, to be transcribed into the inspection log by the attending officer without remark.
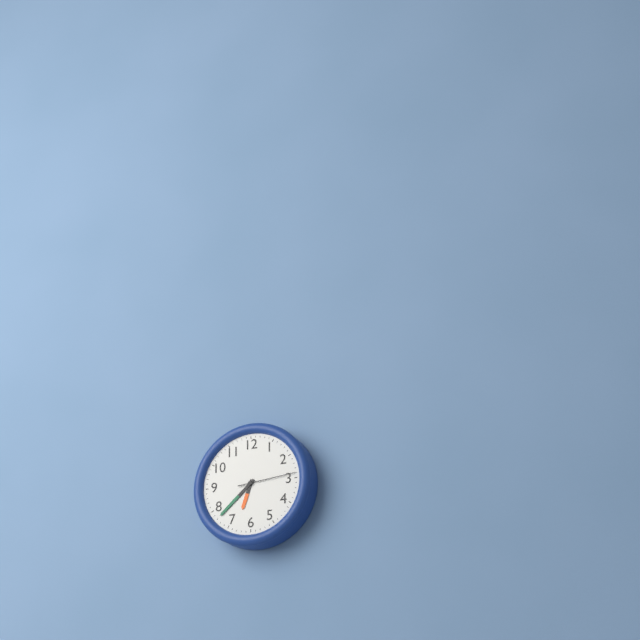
6:38:14
